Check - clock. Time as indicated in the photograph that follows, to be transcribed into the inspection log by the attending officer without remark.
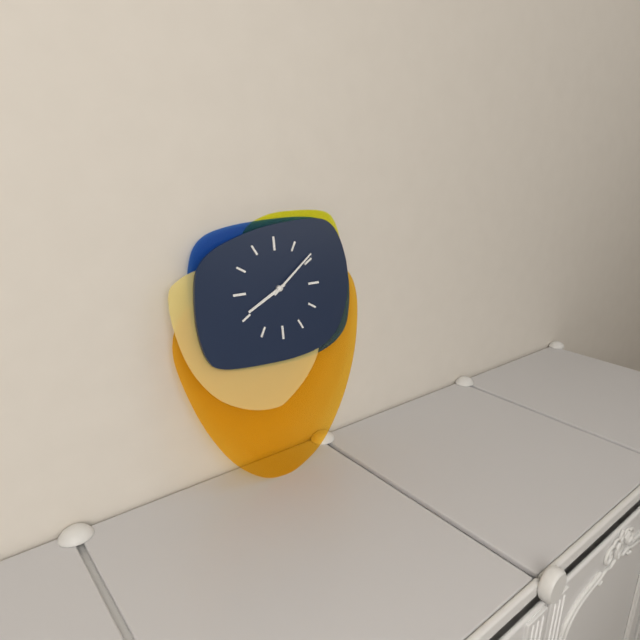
8:09
